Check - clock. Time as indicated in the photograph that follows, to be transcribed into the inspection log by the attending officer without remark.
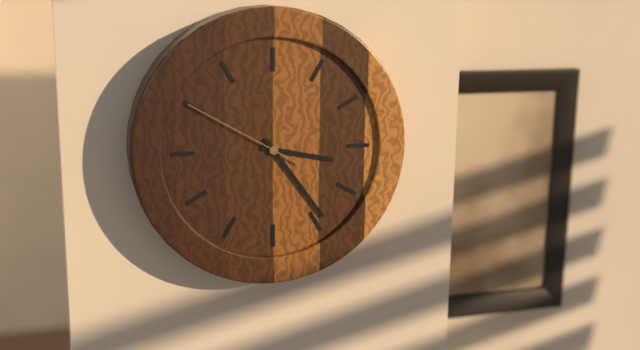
3:24:50
